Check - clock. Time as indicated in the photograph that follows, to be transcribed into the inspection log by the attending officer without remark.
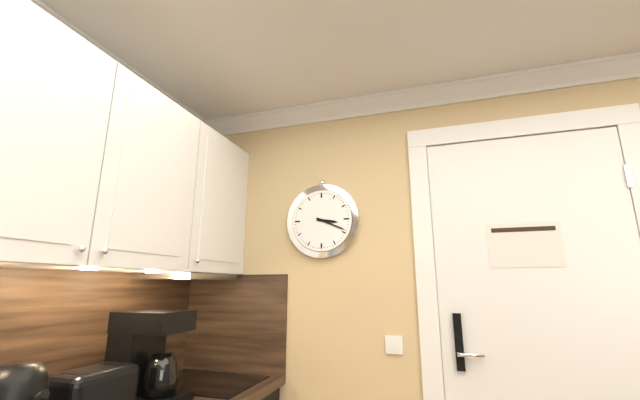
3:19
